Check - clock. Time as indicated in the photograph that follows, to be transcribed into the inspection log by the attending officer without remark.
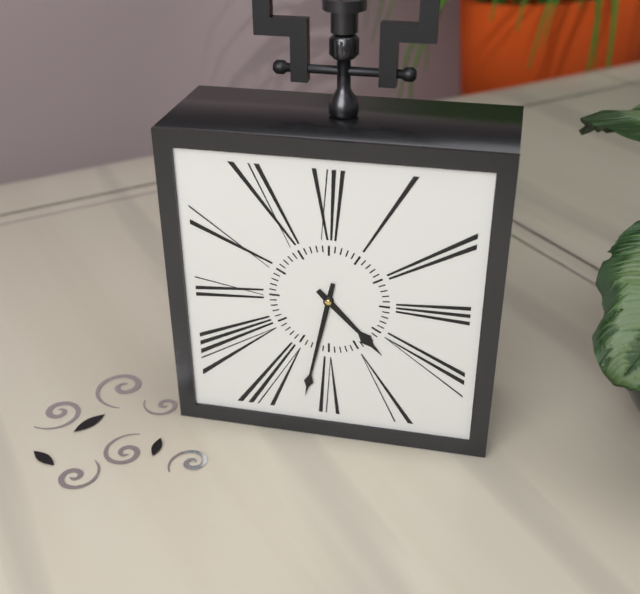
4:32
